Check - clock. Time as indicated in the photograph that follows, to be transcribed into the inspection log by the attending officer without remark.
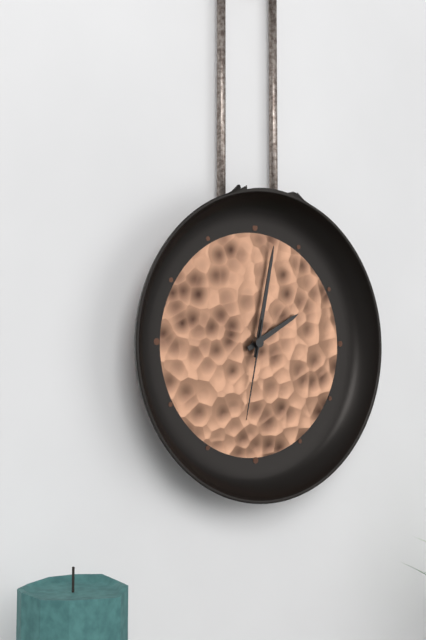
2:02:32
